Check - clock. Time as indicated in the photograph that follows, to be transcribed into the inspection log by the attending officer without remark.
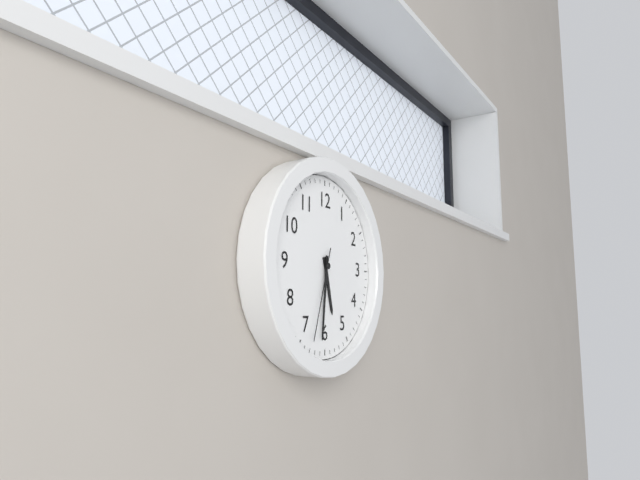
5:31:33
